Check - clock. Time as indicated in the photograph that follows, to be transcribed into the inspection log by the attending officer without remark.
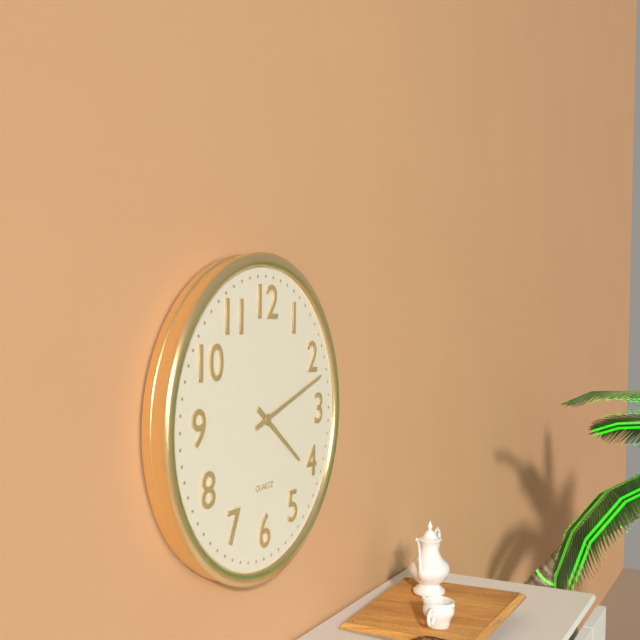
4:12
